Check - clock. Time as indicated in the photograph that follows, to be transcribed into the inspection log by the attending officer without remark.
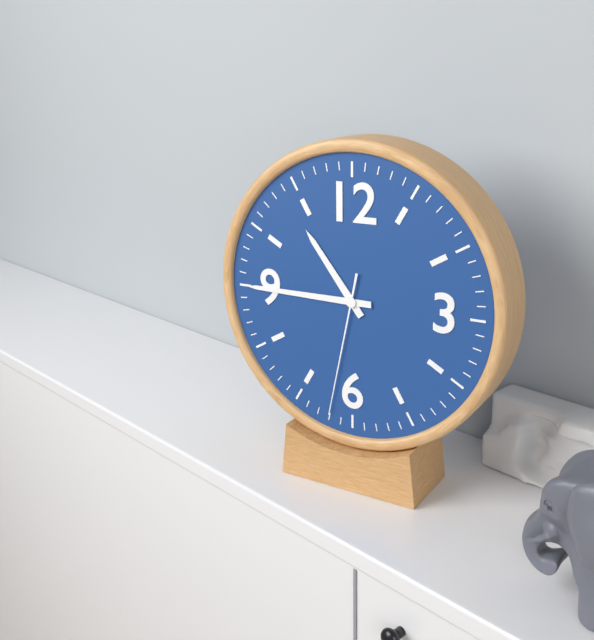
10:45:32
